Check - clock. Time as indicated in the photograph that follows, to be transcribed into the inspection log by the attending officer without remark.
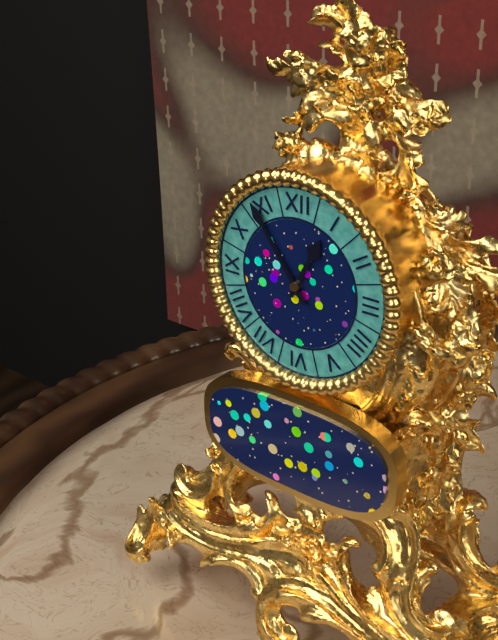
12:54
